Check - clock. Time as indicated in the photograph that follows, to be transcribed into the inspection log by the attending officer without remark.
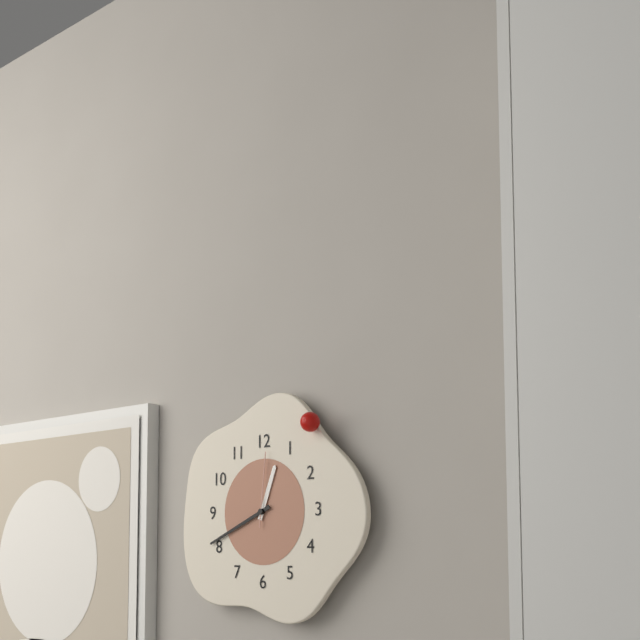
12:41:01
